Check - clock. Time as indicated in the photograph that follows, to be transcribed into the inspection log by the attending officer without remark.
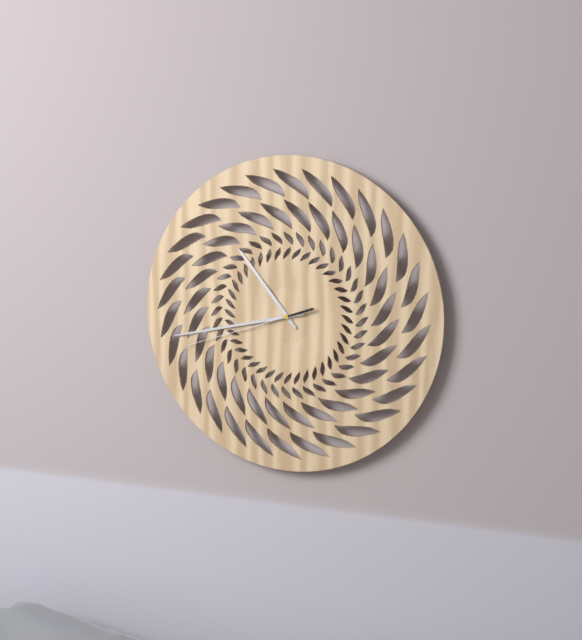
10:43:42
